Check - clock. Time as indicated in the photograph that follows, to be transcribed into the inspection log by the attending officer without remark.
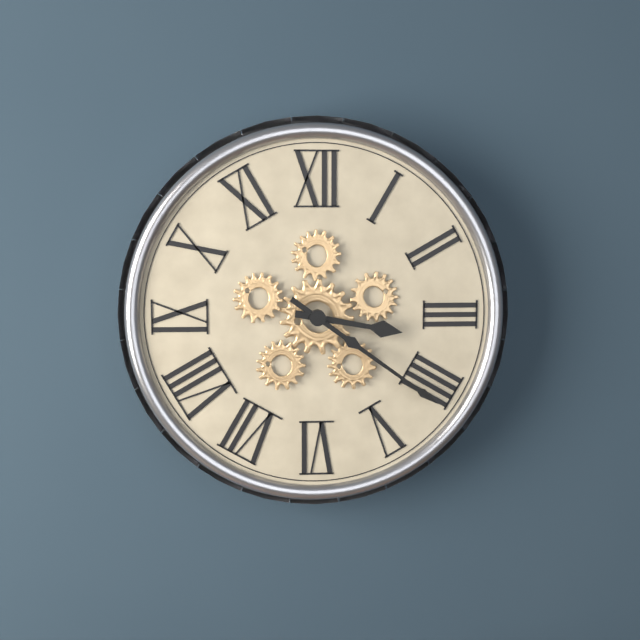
3:21
